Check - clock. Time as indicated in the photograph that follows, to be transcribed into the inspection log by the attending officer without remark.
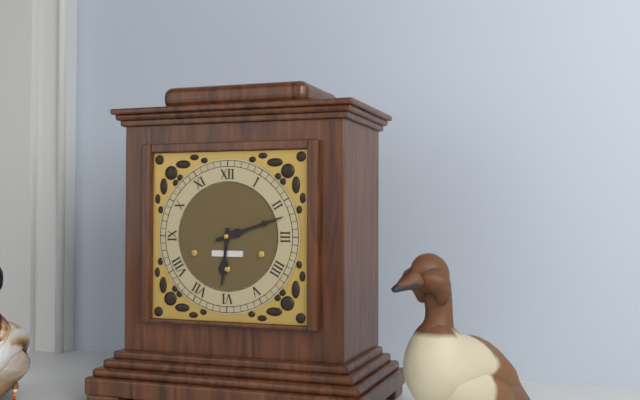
6:12
